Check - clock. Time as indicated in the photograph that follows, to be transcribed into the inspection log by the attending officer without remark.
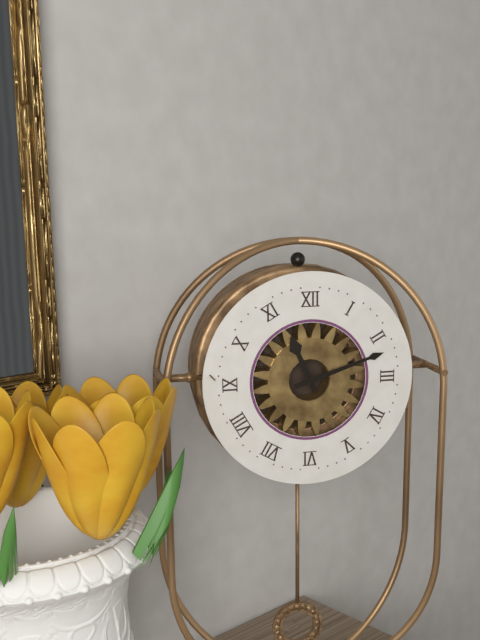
11:12
